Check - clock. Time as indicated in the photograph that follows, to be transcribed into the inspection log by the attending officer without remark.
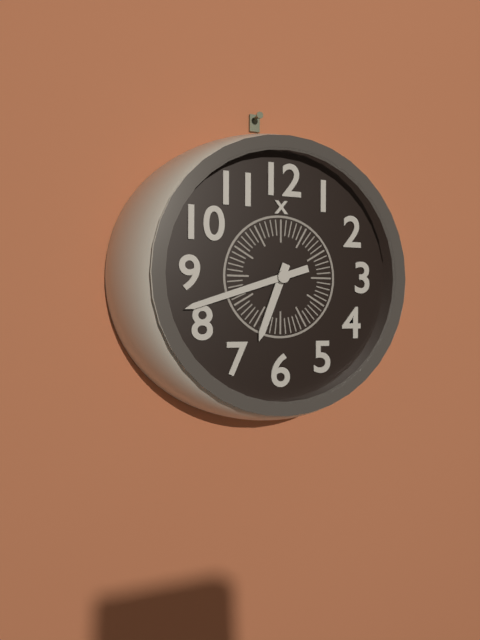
6:42
